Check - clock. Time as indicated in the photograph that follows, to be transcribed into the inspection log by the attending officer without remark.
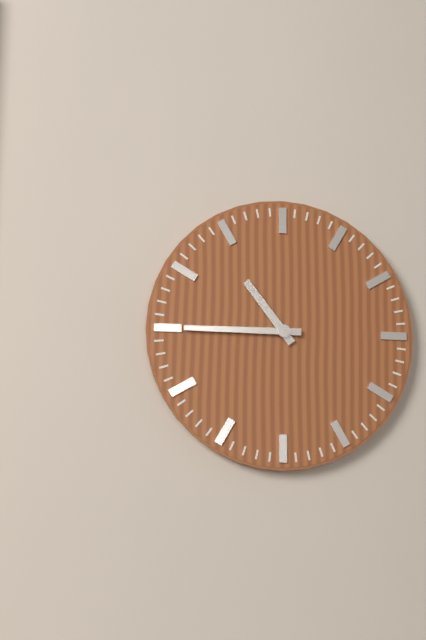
10:45
